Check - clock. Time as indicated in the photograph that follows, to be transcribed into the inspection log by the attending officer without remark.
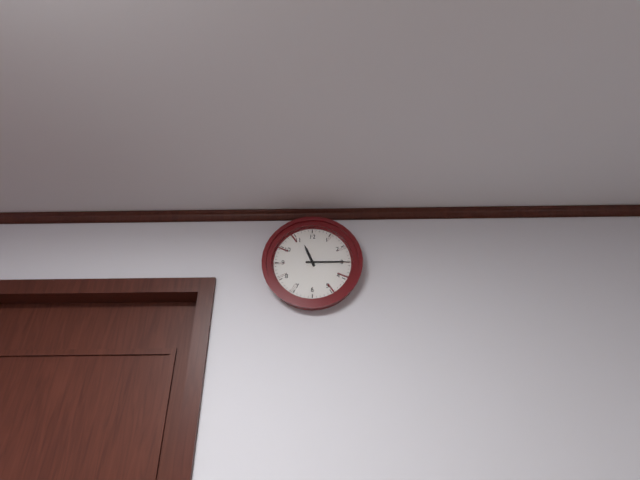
11:15
